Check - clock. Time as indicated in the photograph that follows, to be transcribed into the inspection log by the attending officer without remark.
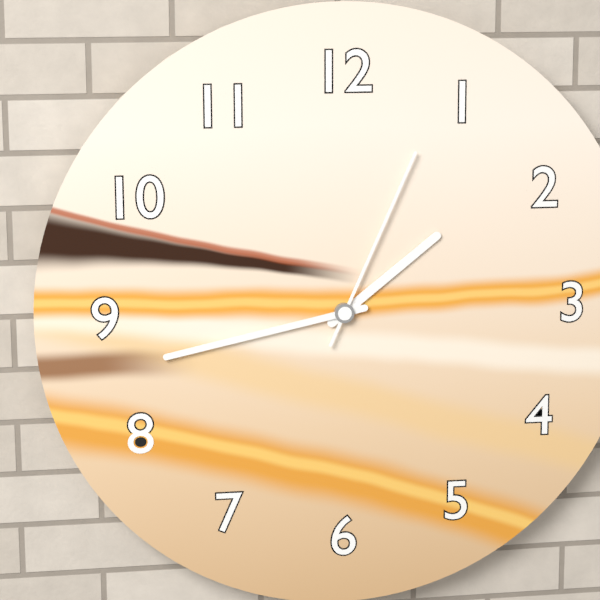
1:43:04
